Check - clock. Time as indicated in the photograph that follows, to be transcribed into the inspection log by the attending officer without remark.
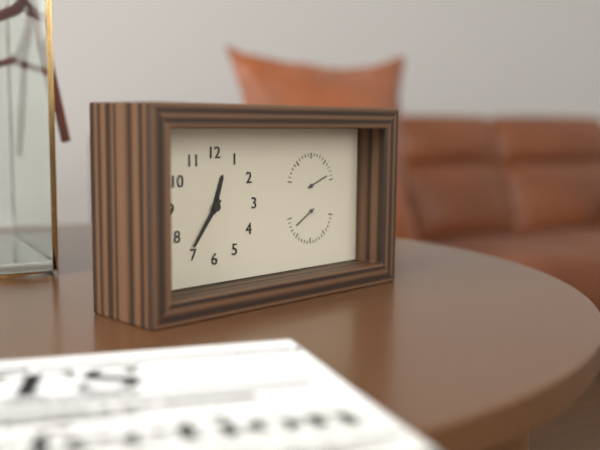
12:36
